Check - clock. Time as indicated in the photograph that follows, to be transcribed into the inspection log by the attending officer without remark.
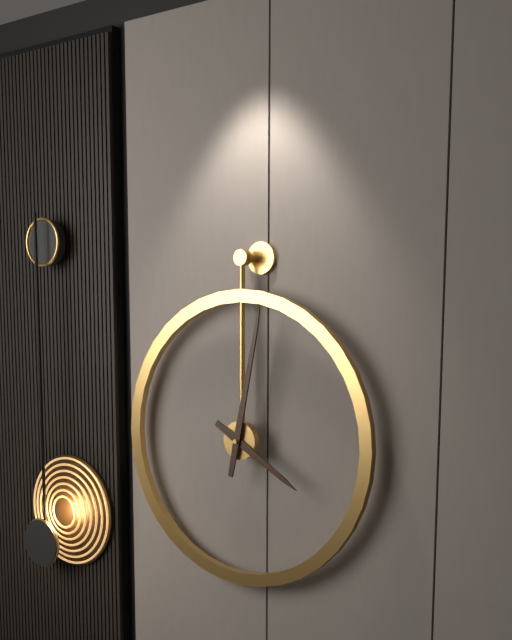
4:02
